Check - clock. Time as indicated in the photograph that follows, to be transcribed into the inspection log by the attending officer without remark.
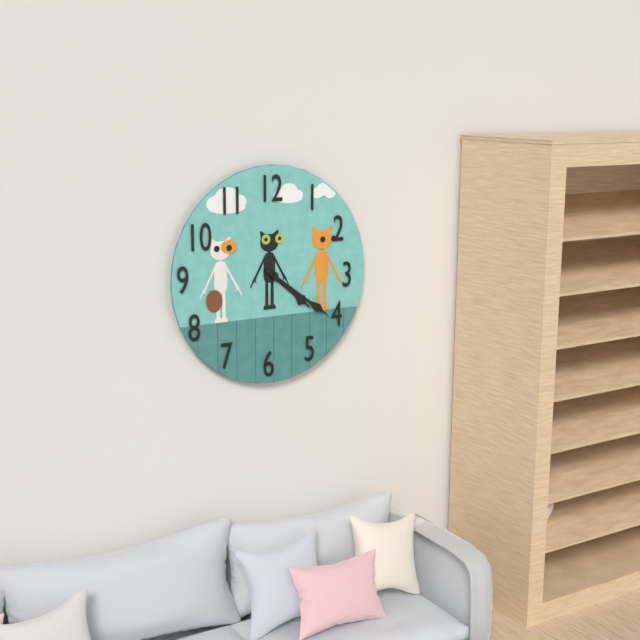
4:21
